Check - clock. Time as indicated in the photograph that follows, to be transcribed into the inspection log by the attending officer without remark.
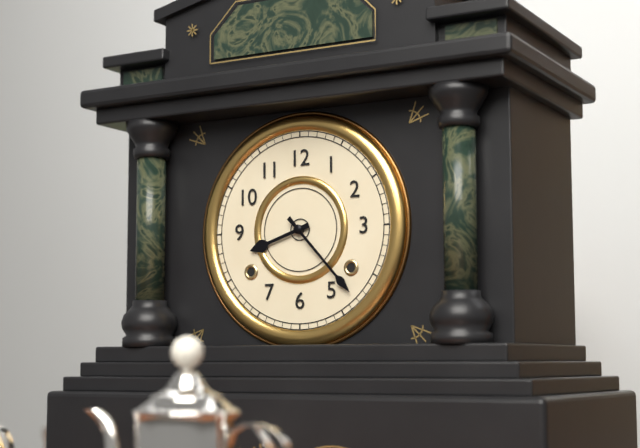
8:23
